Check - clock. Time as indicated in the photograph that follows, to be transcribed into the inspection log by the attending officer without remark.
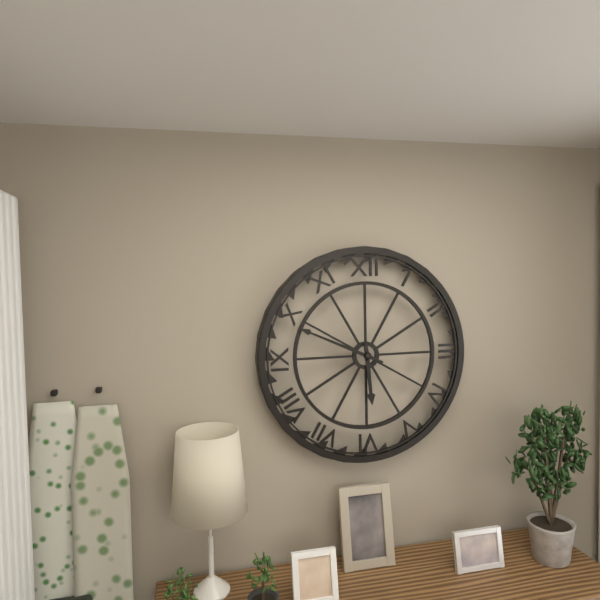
5:49
